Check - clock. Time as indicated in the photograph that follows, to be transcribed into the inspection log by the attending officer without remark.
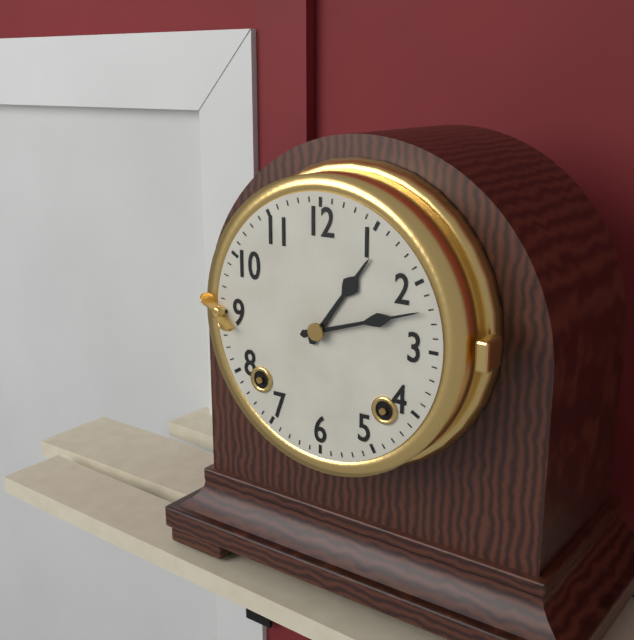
1:12
